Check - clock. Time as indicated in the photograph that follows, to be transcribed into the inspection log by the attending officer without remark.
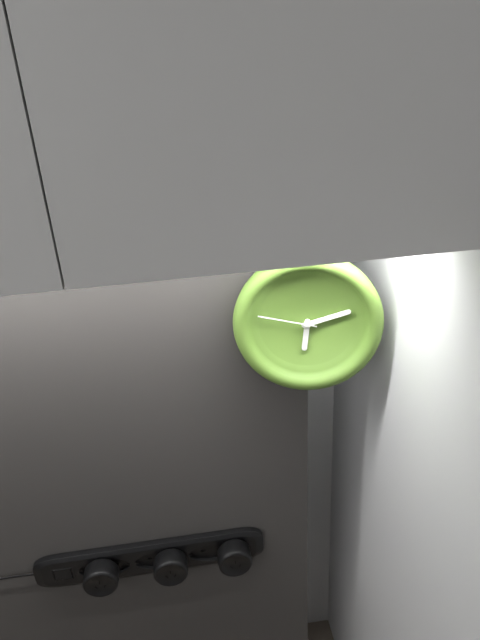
6:12:47
